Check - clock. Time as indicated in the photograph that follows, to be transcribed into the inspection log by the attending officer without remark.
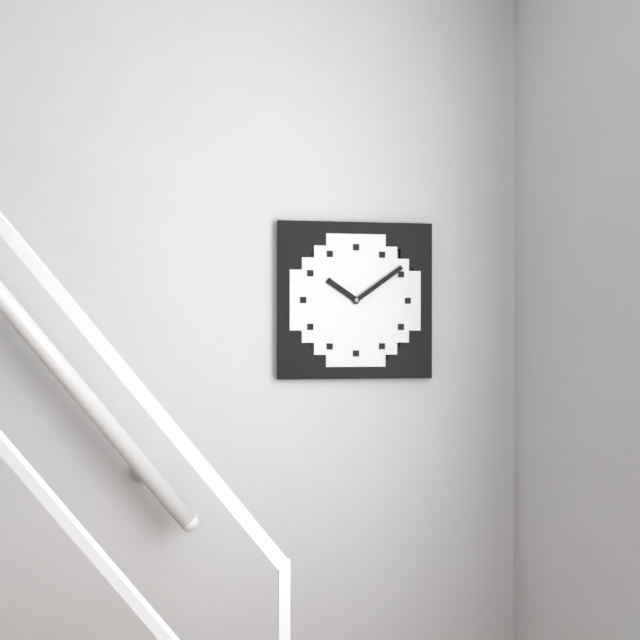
10:09
